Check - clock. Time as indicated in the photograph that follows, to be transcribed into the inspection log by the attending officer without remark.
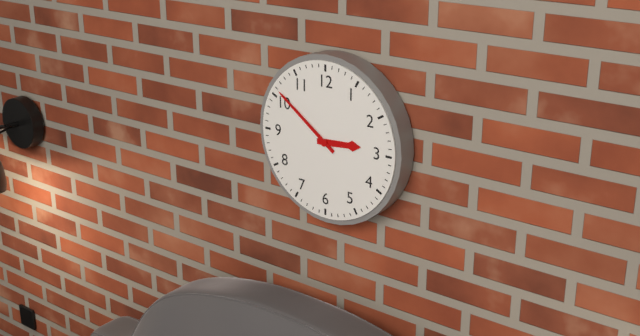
2:51
